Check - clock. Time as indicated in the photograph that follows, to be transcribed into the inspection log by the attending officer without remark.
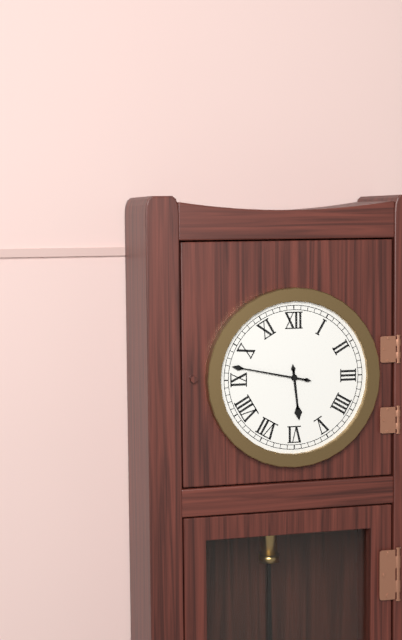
5:47
